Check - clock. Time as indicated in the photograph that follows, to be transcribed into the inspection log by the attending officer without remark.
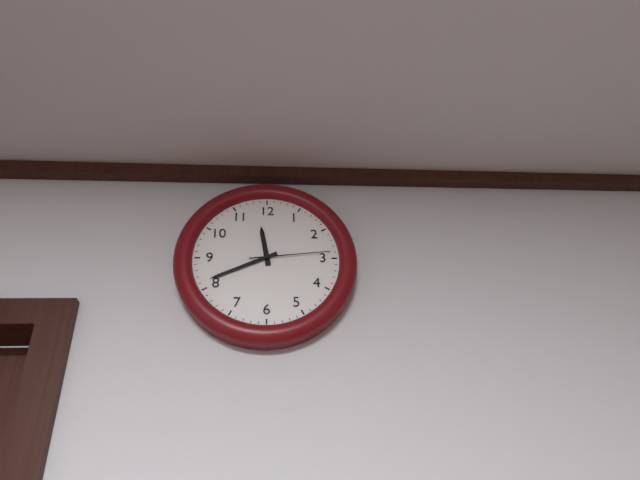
11:41:14
